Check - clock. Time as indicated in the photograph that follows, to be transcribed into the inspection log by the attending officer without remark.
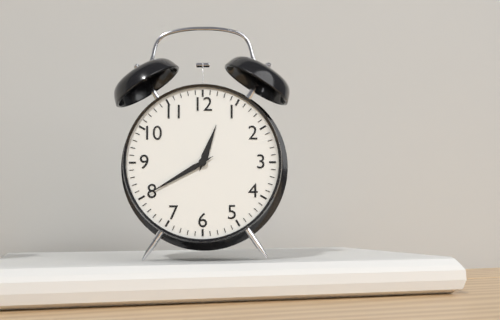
12:40
